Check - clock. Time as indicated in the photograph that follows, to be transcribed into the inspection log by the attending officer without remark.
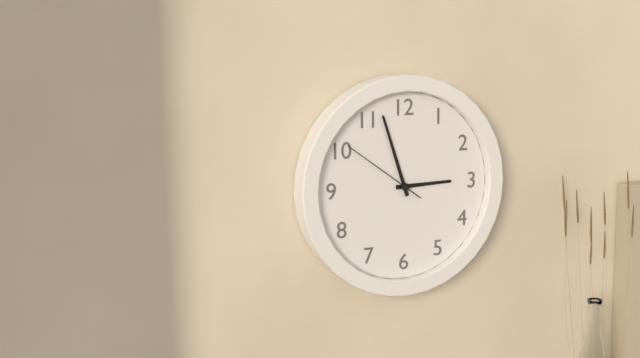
2:57:51
